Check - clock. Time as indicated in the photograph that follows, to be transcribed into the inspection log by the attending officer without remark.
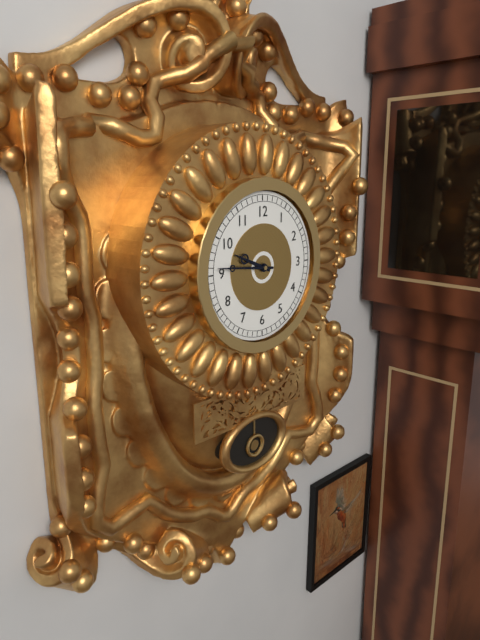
9:46
